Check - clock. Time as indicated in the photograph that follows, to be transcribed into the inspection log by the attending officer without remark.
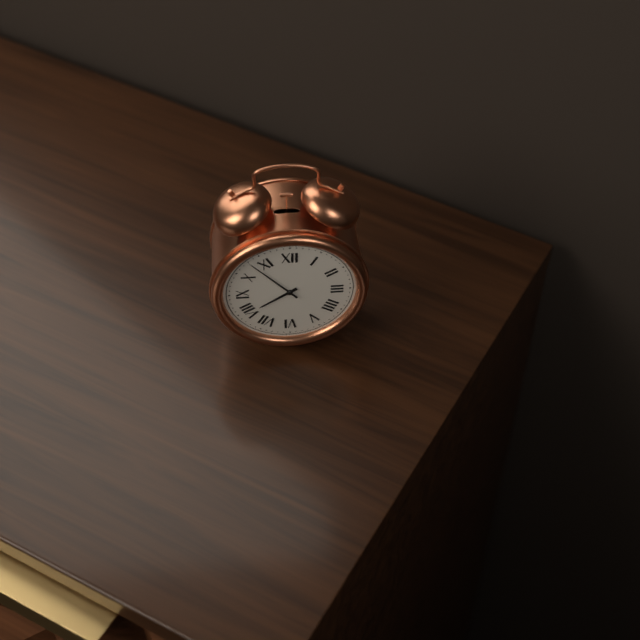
7:53
